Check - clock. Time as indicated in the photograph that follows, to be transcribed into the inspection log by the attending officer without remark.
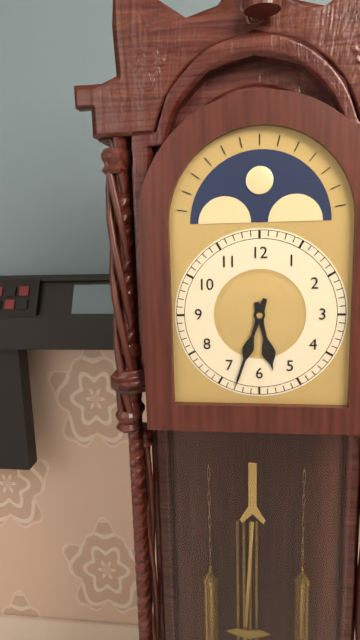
5:33
